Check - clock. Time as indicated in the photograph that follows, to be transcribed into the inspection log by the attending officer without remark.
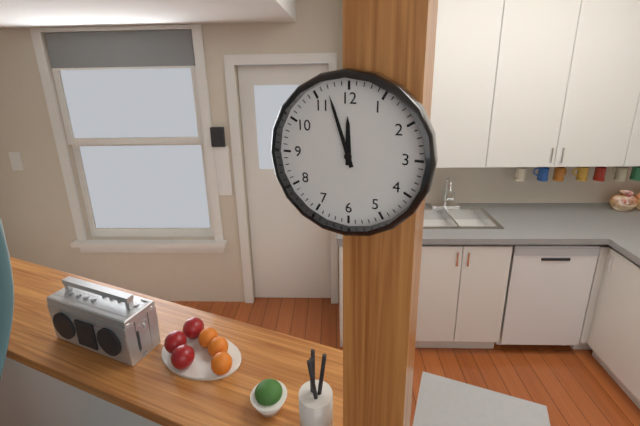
11:57
